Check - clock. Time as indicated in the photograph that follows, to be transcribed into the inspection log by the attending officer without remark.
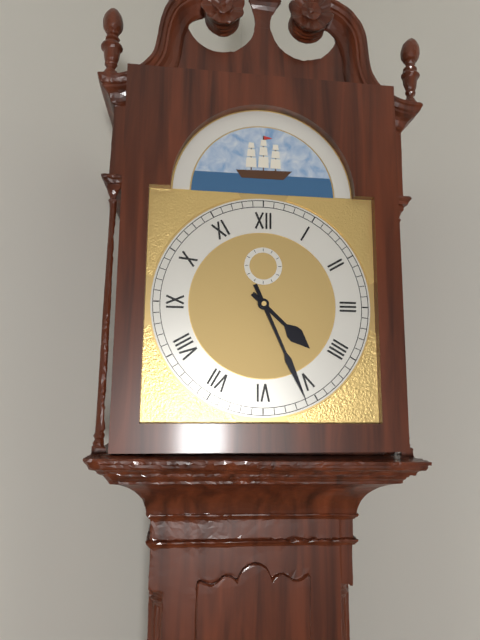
4:26
